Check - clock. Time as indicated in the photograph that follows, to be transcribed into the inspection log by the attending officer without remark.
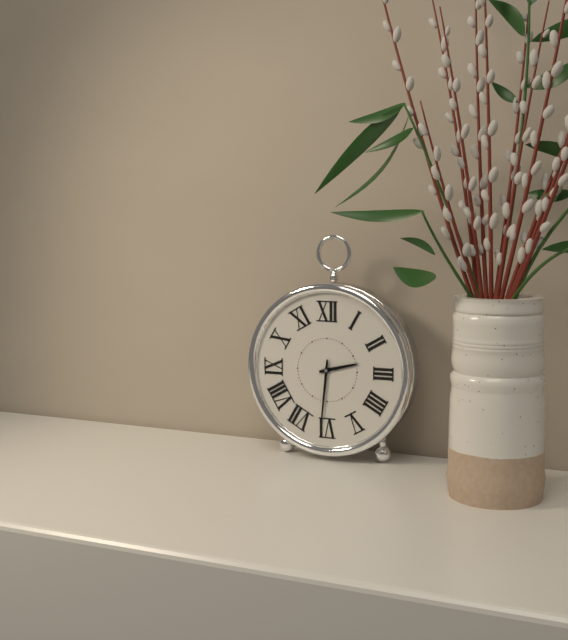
2:31
